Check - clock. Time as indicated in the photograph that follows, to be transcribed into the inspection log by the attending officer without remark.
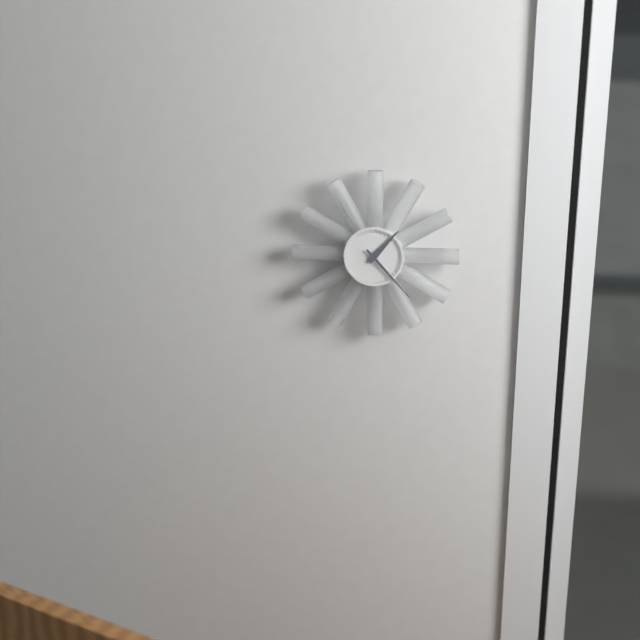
1:23
